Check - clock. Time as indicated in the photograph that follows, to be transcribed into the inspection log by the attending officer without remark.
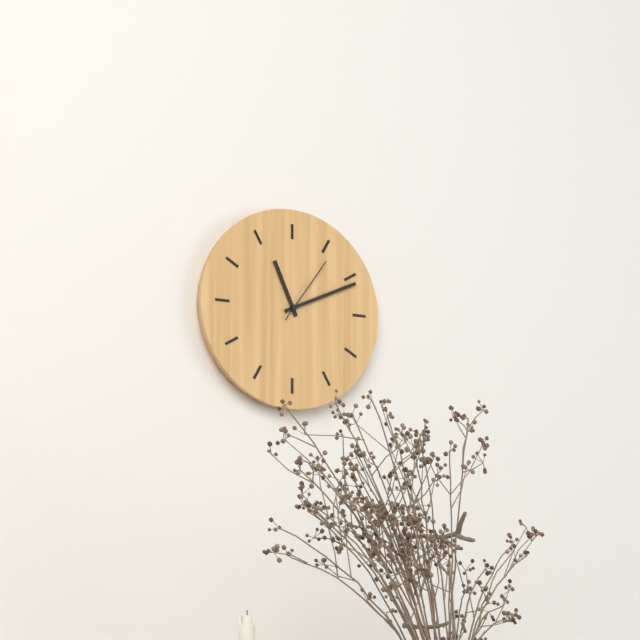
11:11:06
